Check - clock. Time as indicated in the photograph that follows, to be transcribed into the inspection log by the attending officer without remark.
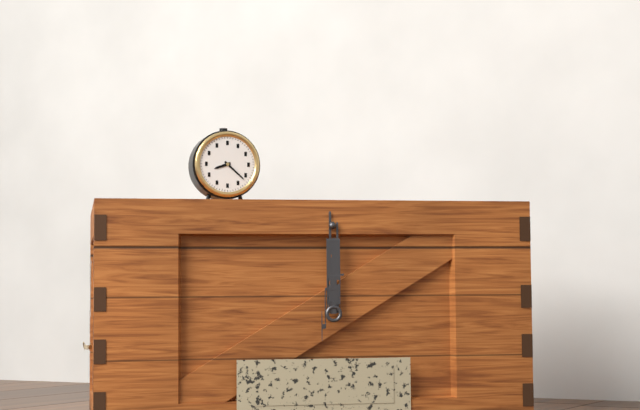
8:22
